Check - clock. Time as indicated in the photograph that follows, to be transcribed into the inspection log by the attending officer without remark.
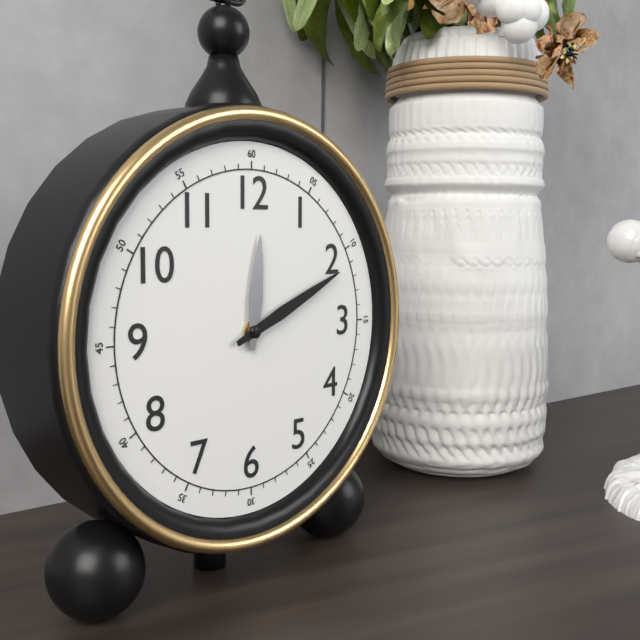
12:11
